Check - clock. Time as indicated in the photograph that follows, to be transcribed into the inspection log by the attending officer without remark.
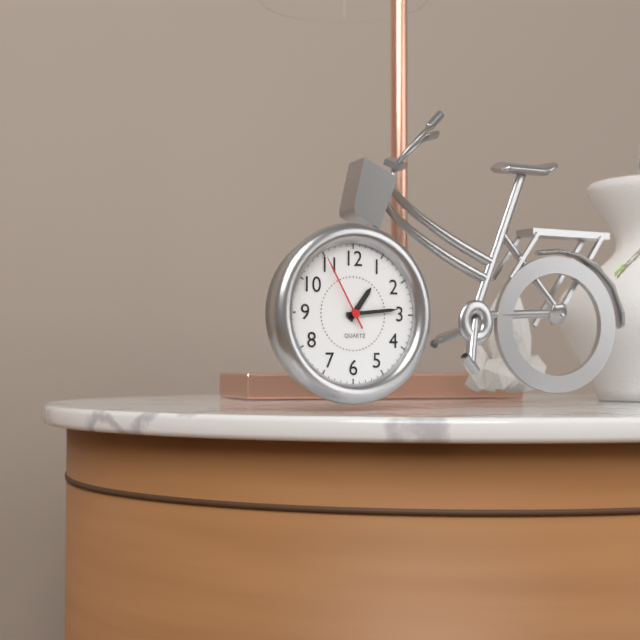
1:14:55
